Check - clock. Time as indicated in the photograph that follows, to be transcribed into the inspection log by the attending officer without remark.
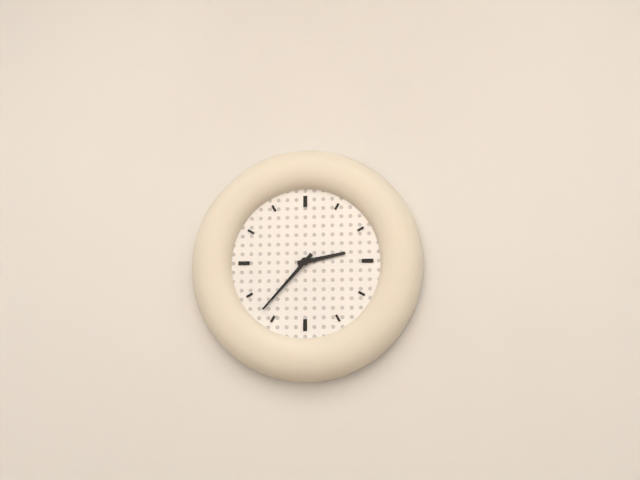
2:37
